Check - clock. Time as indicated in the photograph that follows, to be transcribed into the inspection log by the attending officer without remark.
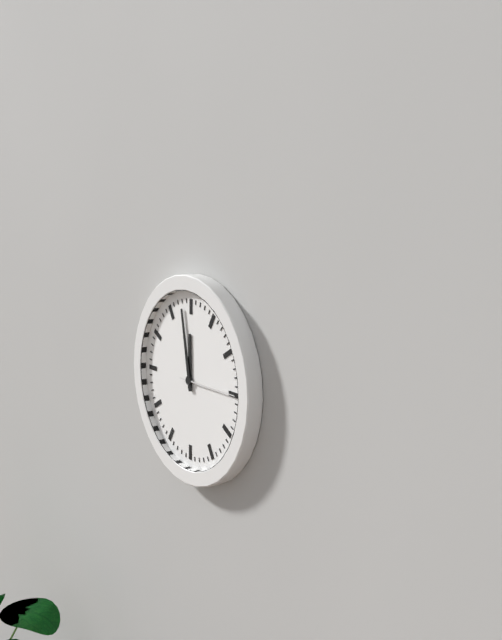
11:58:15
